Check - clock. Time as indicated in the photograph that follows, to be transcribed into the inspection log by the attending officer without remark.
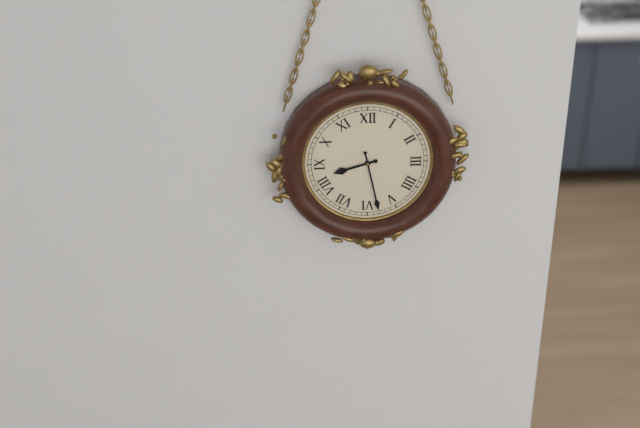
8:28
